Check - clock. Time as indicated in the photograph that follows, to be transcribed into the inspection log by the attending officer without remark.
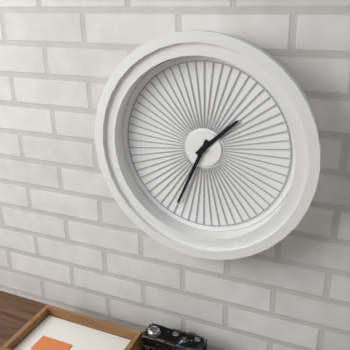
1:34
